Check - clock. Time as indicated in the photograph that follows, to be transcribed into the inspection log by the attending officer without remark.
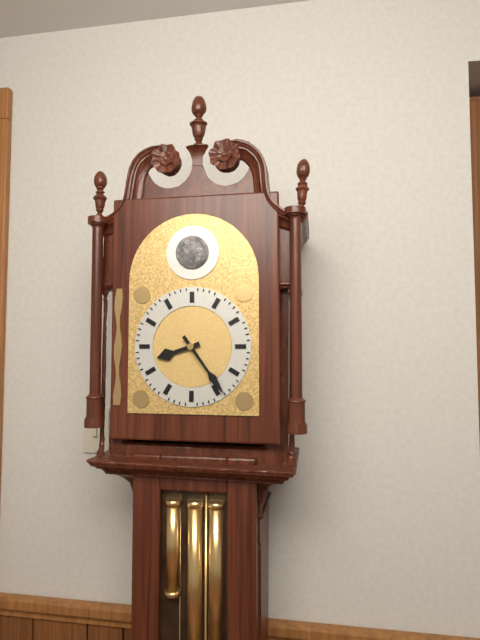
8:24
